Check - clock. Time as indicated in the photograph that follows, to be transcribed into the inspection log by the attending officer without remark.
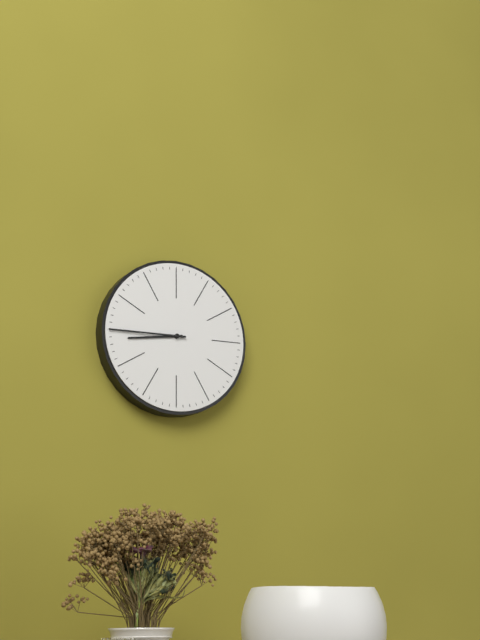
8:45
